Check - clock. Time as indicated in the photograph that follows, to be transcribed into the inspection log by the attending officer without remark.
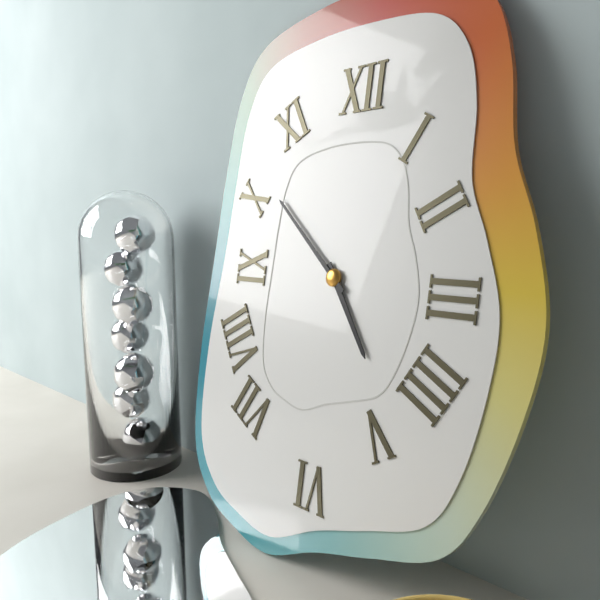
4:52
